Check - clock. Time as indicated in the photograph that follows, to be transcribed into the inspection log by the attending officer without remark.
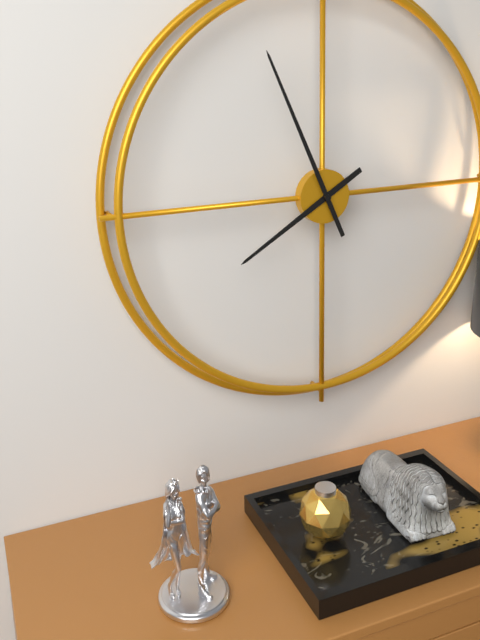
7:56
